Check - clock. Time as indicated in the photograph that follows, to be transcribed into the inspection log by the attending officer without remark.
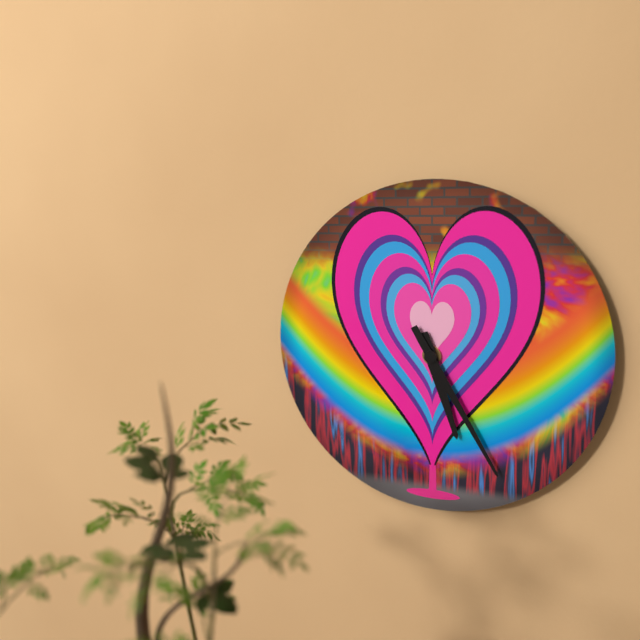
5:25
